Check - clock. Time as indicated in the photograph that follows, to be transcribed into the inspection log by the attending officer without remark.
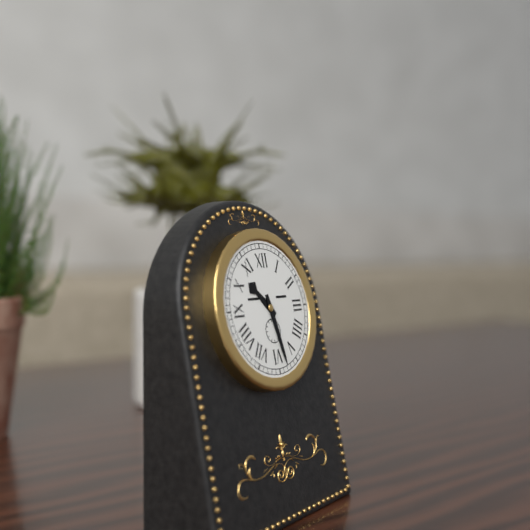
10:28
